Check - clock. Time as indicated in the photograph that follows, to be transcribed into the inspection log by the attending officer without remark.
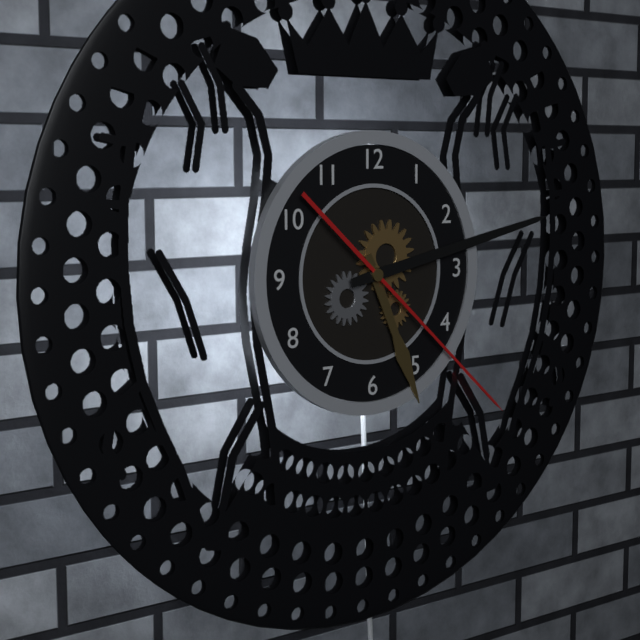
5:13:22
